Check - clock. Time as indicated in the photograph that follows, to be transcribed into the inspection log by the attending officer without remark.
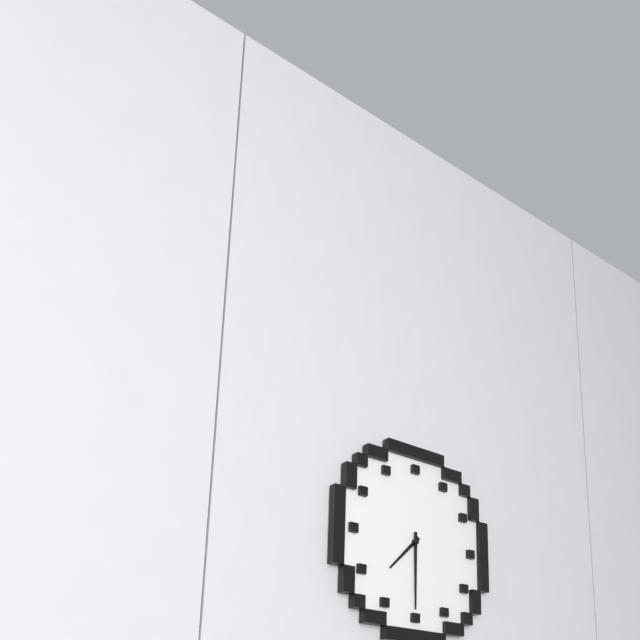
7:30
